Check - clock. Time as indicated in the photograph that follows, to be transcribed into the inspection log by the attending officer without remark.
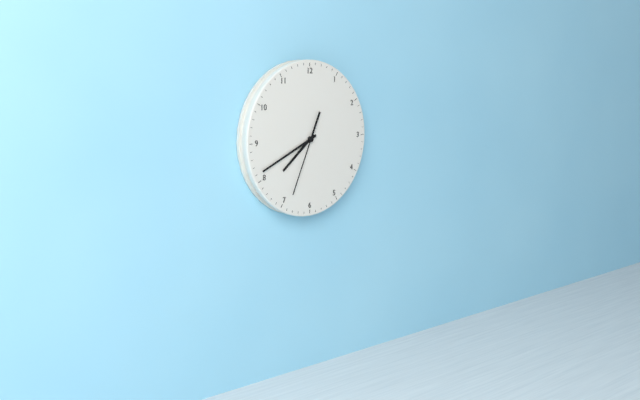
7:41:34
